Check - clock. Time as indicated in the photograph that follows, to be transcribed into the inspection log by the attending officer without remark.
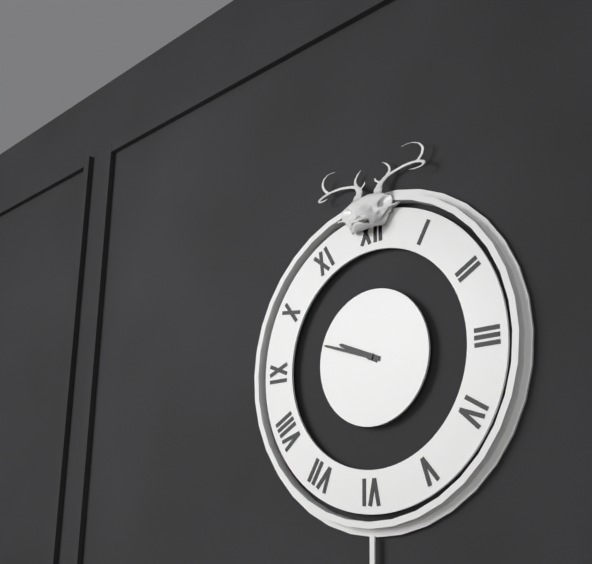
9:48
